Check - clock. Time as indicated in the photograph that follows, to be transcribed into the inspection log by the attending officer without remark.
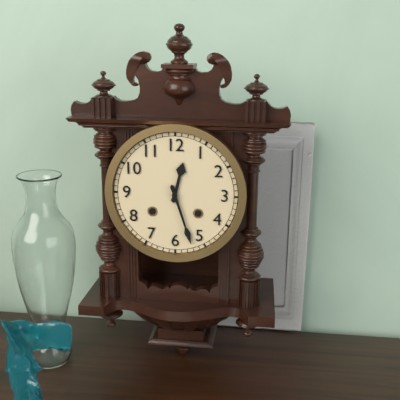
12:27
